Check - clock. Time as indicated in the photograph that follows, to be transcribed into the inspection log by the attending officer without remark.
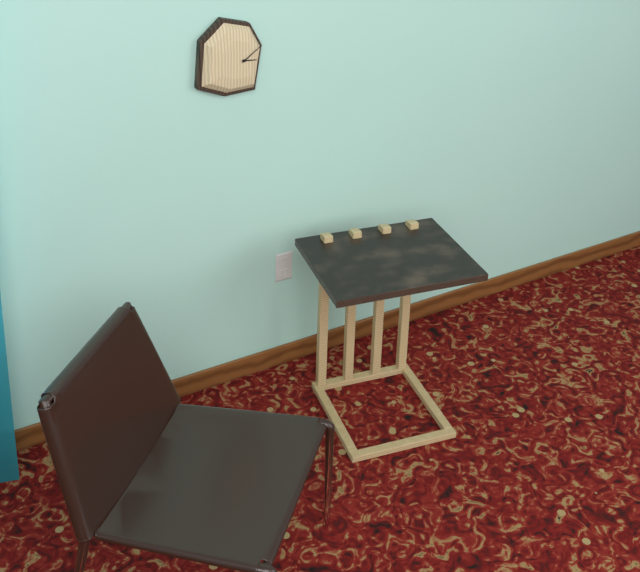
3:09
